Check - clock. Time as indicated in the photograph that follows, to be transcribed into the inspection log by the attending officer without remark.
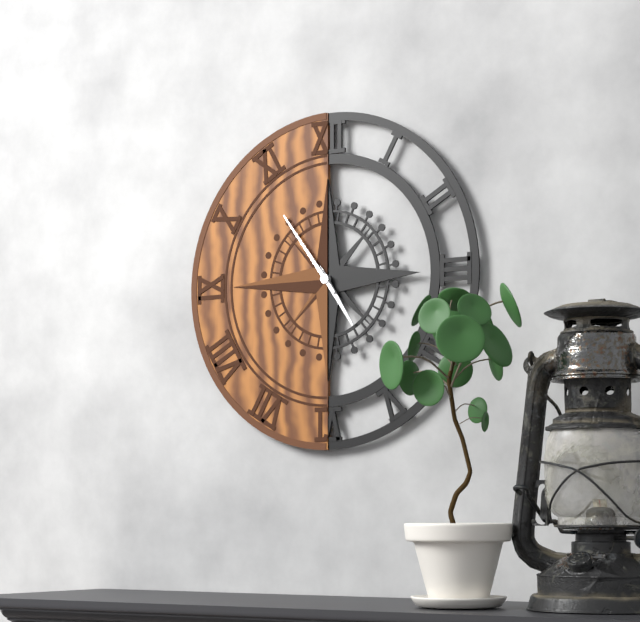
4:54
